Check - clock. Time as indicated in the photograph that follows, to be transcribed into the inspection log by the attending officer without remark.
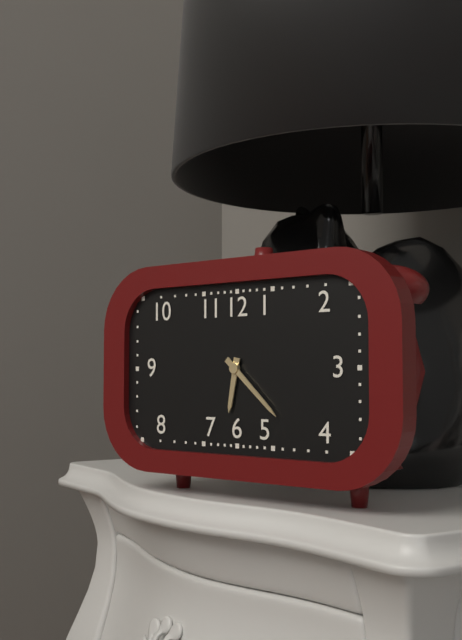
6:22
